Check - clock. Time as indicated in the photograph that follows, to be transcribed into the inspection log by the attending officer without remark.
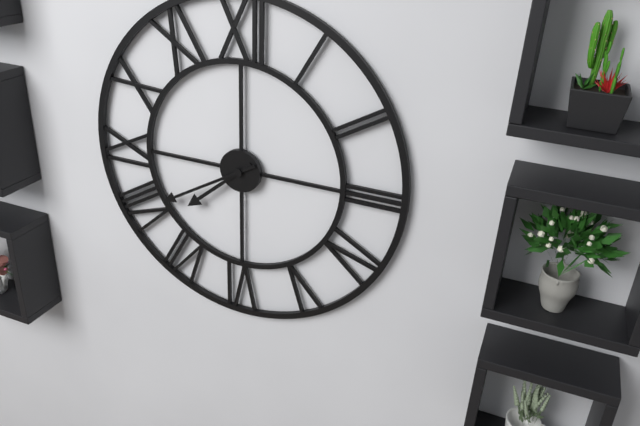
7:40
